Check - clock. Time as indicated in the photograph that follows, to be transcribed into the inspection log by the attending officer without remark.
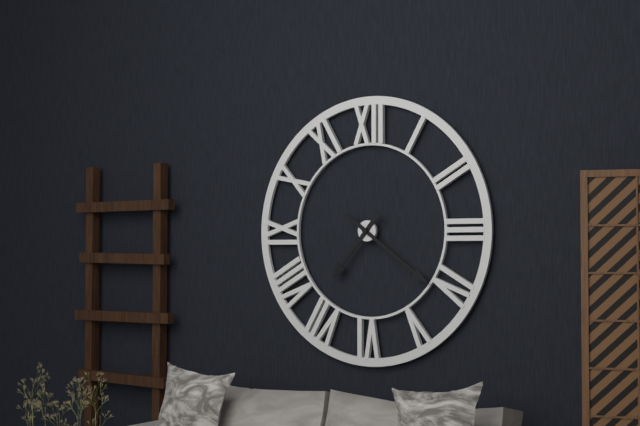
7:21
